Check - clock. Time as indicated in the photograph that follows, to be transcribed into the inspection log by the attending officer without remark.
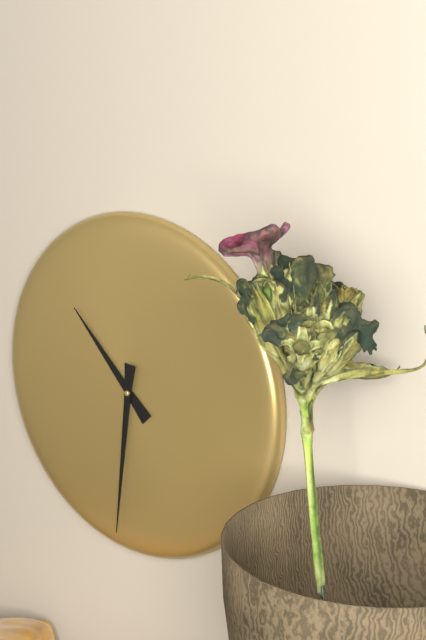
10:31
